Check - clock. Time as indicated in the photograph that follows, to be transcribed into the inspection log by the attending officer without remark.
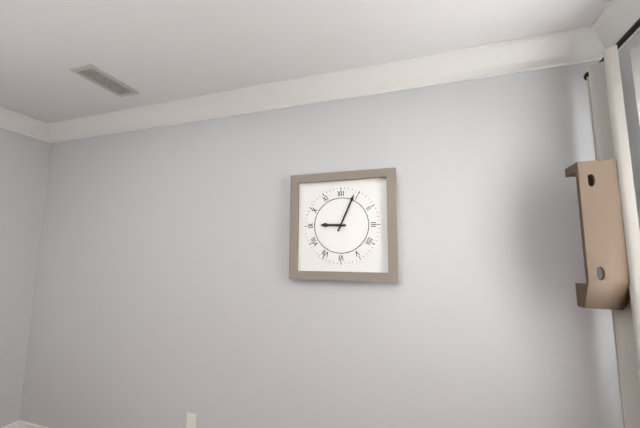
9:04
